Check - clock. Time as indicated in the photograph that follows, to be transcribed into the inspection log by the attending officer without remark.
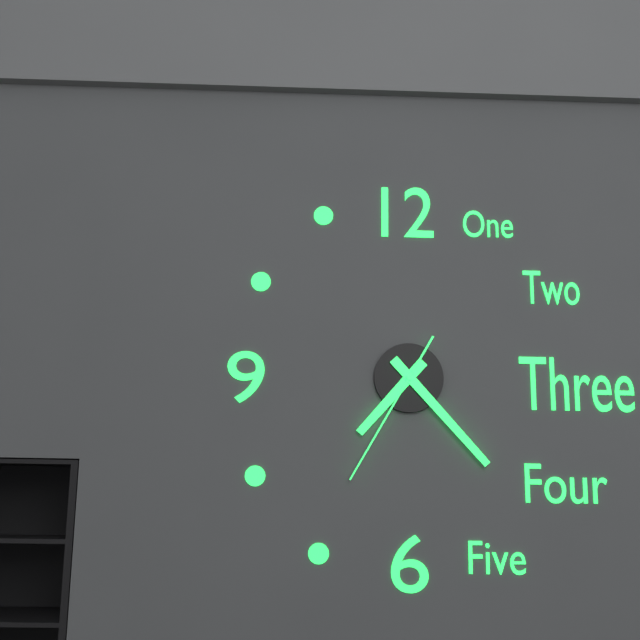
7:23:35
